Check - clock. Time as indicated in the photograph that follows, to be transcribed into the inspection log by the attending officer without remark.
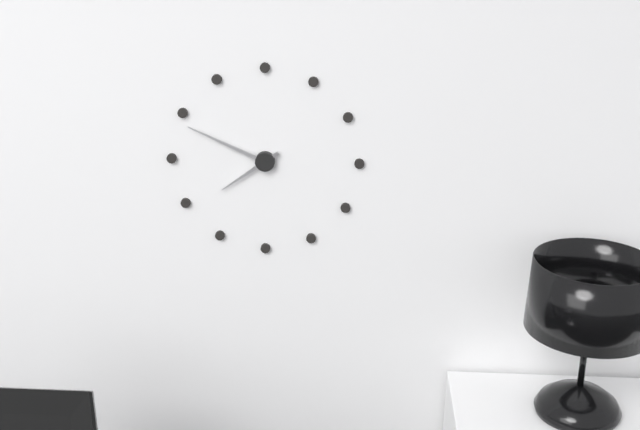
7:49
